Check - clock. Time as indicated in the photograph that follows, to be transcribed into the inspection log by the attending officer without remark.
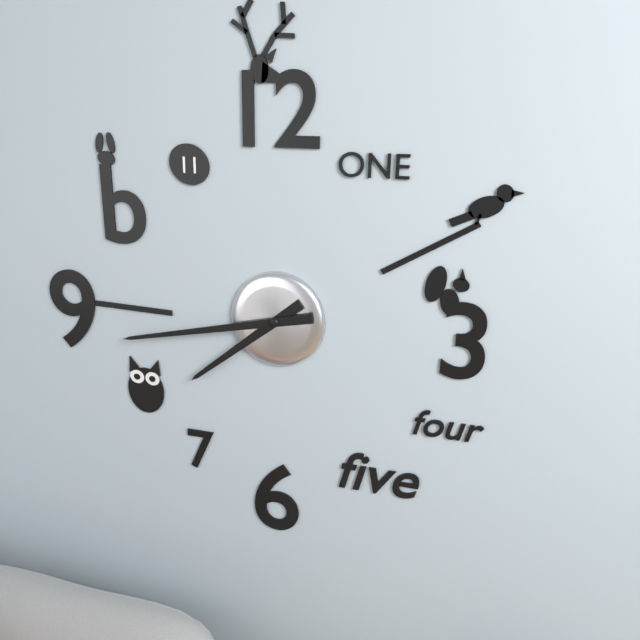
7:43
